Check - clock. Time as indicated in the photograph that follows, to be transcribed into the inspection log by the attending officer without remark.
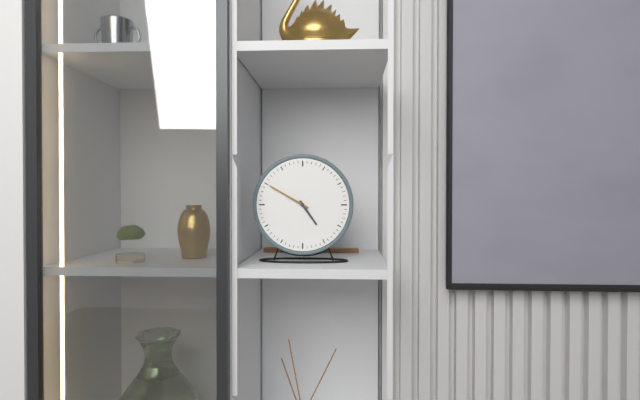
4:50
